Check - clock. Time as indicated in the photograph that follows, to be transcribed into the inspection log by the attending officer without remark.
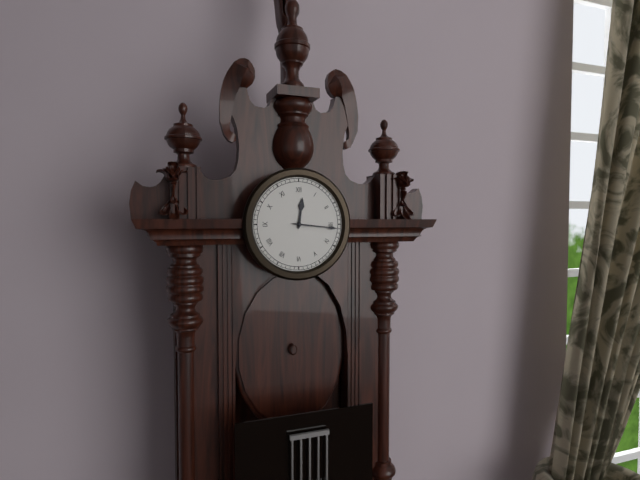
12:16
